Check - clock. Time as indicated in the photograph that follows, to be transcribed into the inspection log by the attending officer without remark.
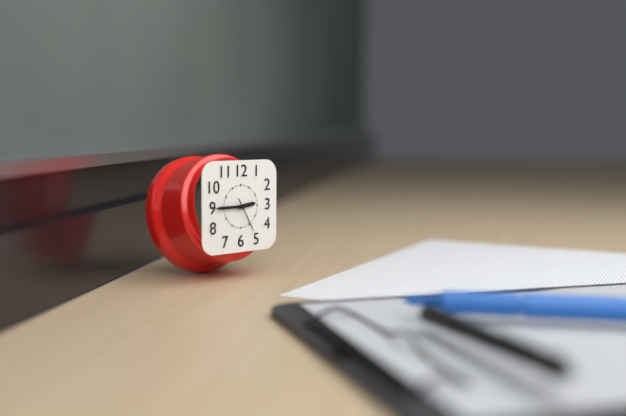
2:45
